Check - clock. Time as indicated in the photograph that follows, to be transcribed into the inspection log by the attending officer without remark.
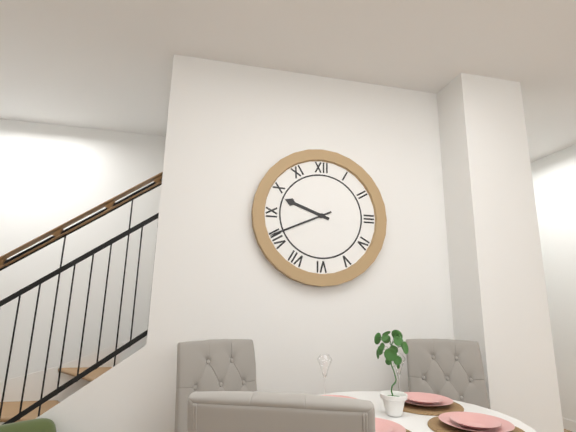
9:41
